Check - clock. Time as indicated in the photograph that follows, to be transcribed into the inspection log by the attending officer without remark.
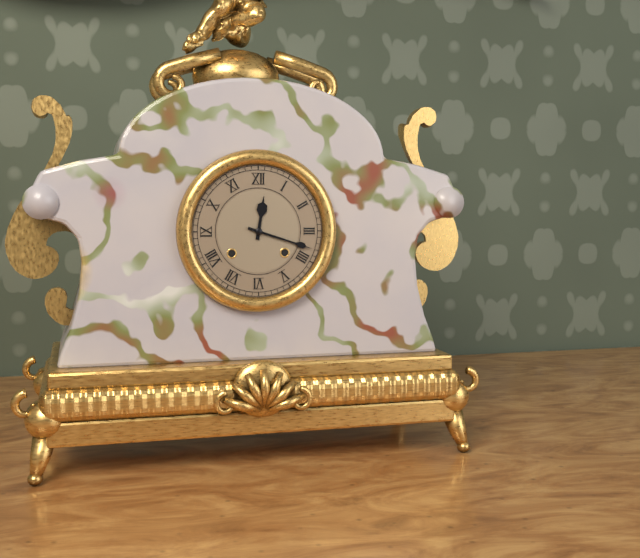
12:18
